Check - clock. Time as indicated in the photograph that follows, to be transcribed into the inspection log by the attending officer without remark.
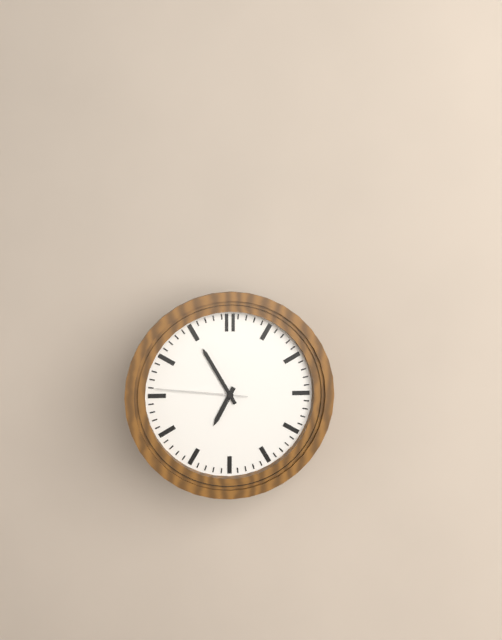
6:55:46
